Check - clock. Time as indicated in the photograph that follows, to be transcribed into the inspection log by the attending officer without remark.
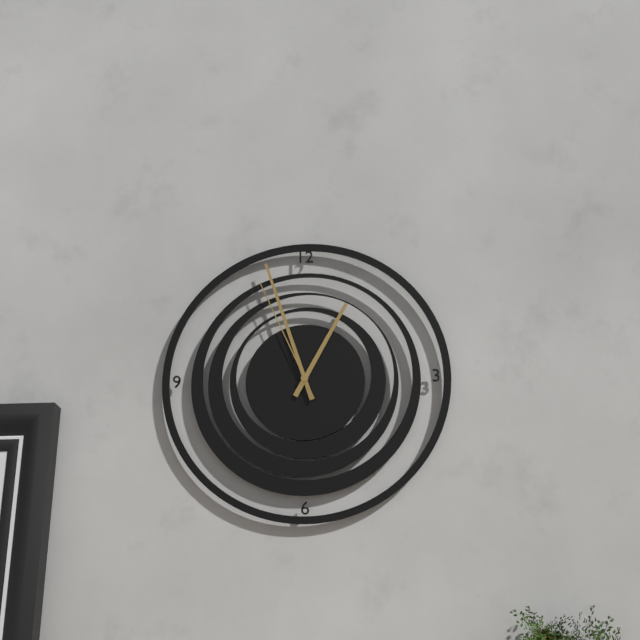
12:57:56
